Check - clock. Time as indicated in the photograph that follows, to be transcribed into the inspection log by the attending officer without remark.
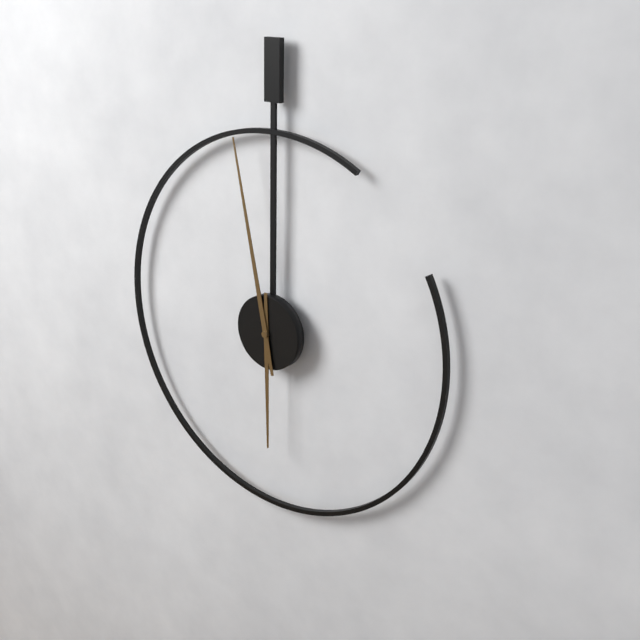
5:58
